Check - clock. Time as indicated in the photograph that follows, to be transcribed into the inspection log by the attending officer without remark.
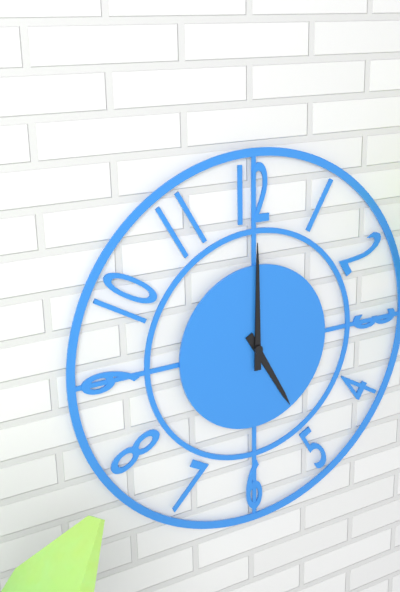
5:00
